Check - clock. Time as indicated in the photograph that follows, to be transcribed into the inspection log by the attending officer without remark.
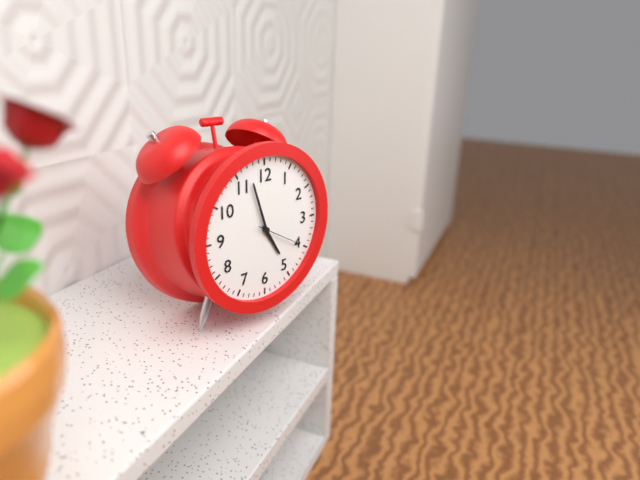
4:57
